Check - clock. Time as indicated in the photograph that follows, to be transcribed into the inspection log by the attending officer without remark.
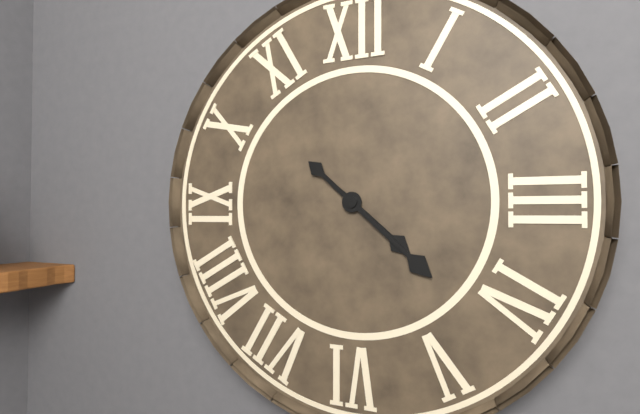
4:22
